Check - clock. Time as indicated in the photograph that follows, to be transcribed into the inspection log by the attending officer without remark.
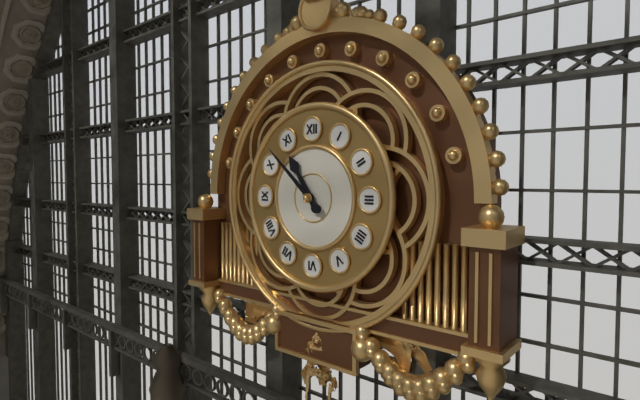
10:52
